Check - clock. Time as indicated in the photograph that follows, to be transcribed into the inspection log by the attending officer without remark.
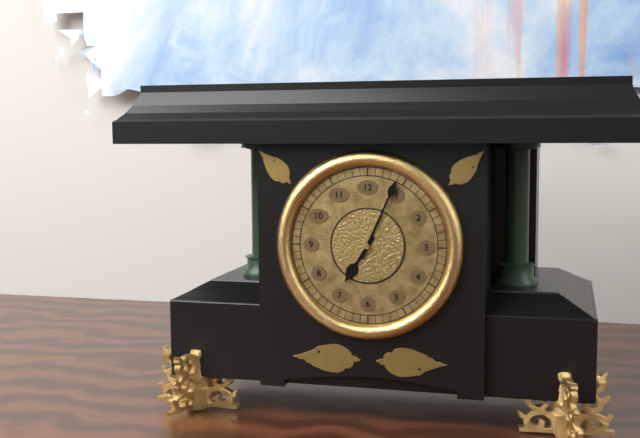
7:04
